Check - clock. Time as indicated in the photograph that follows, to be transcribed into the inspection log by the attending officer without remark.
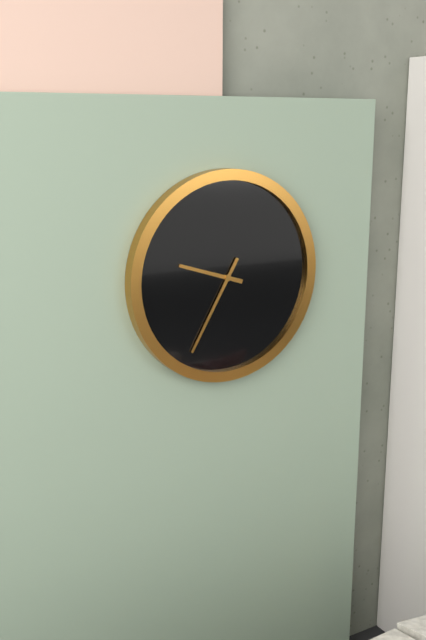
9:35
